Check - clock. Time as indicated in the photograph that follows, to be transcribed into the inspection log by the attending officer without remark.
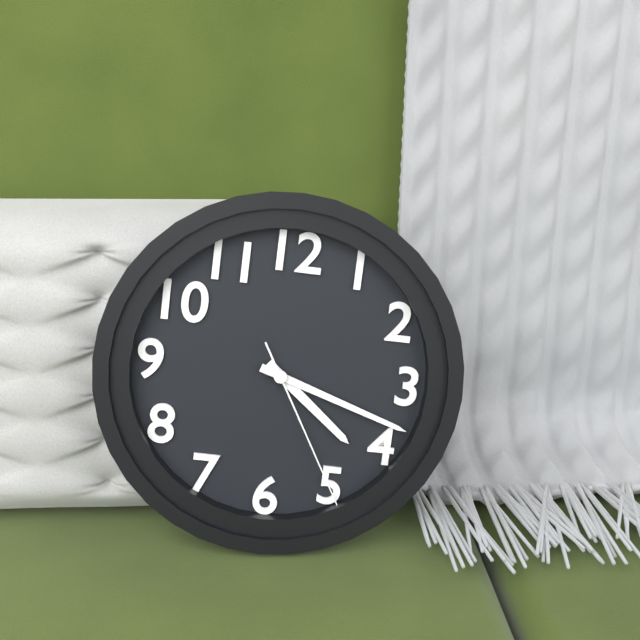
4:18:25
